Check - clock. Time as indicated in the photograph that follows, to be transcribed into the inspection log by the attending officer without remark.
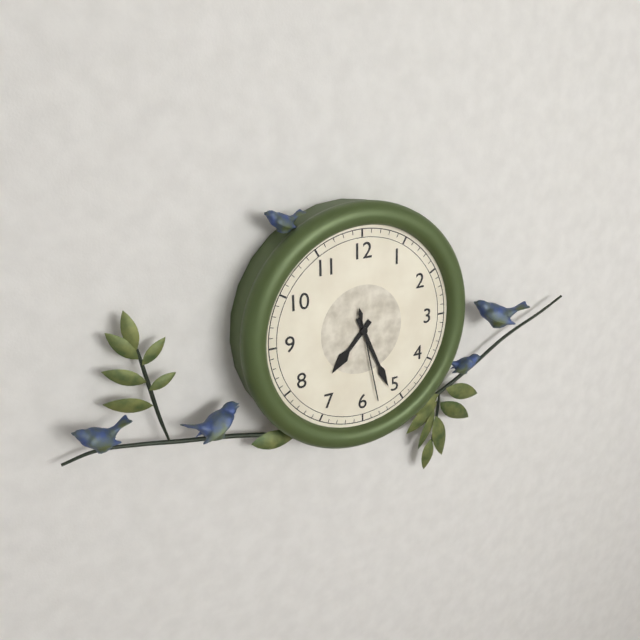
7:26:28
